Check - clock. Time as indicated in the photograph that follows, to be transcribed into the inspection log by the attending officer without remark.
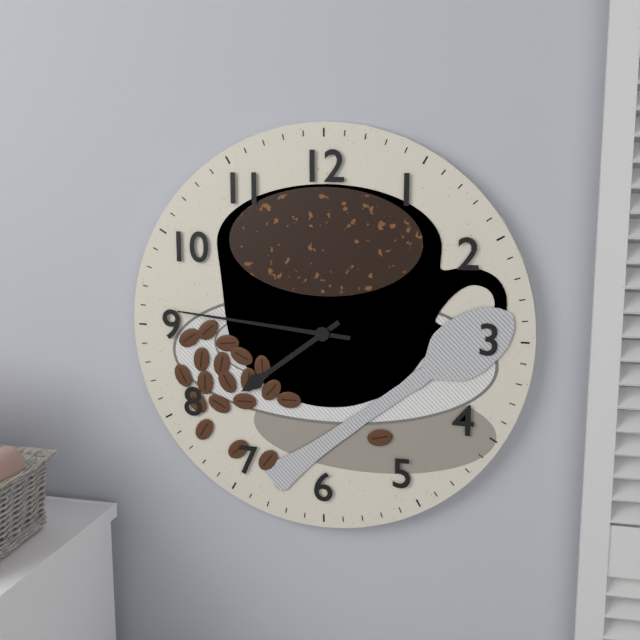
7:46
